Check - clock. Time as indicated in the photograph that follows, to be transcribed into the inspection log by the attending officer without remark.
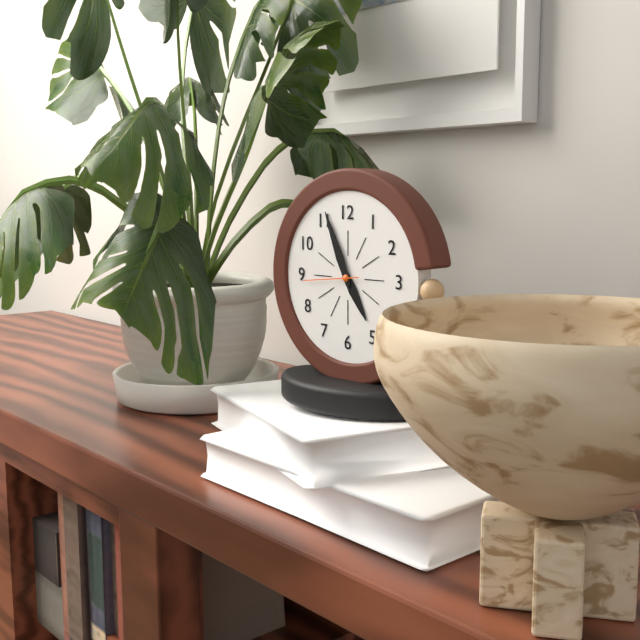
4:56:44
